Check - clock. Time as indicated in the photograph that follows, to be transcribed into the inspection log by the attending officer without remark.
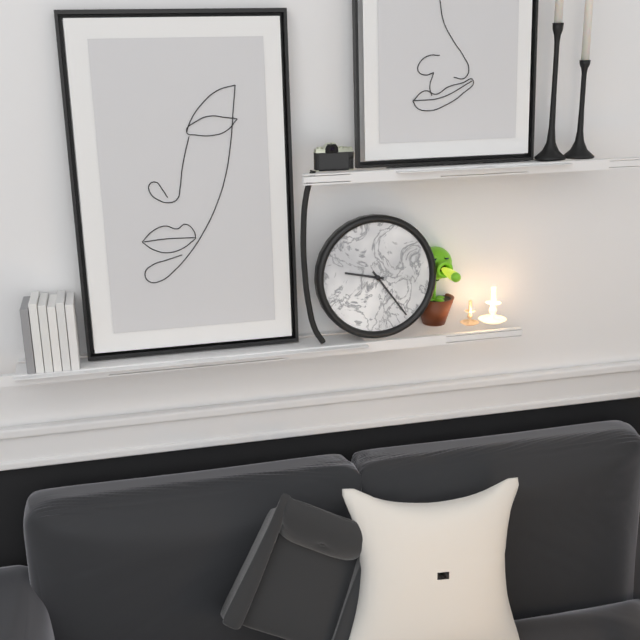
9:24
